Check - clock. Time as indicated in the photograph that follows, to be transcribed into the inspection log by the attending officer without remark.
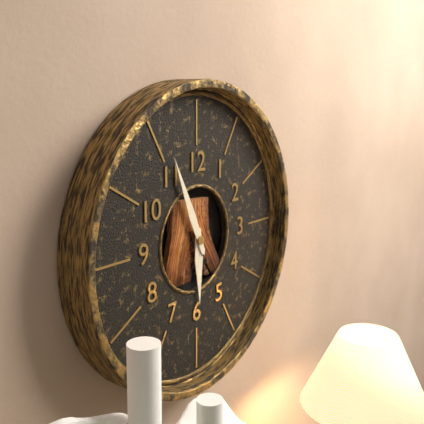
5:56
